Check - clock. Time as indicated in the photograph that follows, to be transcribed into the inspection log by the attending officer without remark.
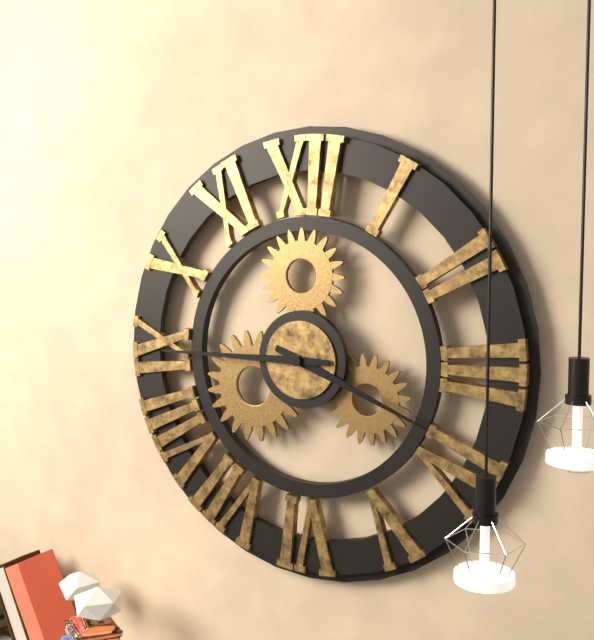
3:45
